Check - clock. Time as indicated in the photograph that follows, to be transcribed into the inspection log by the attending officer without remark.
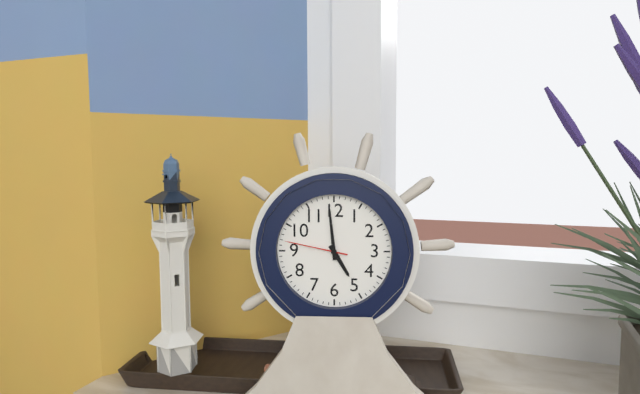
4:59:47
